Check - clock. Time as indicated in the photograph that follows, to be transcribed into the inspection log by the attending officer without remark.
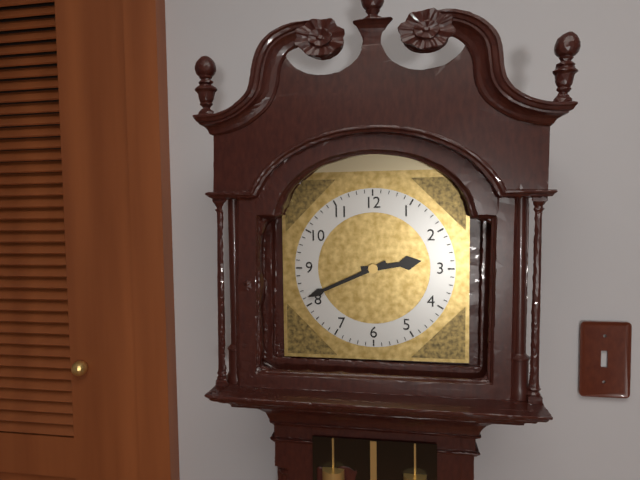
2:41
